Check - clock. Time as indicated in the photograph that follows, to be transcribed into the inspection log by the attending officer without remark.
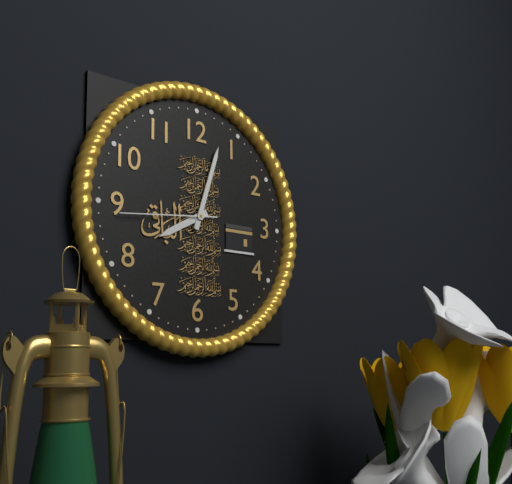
8:03:44
